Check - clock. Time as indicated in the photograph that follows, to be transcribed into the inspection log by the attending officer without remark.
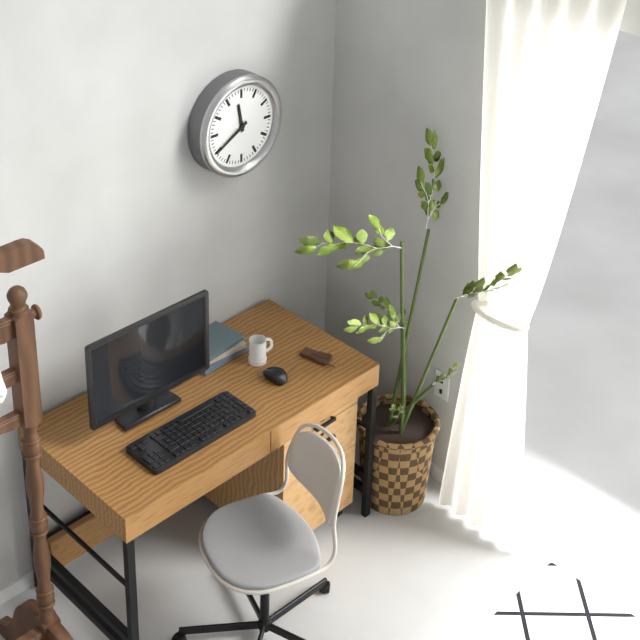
11:40
